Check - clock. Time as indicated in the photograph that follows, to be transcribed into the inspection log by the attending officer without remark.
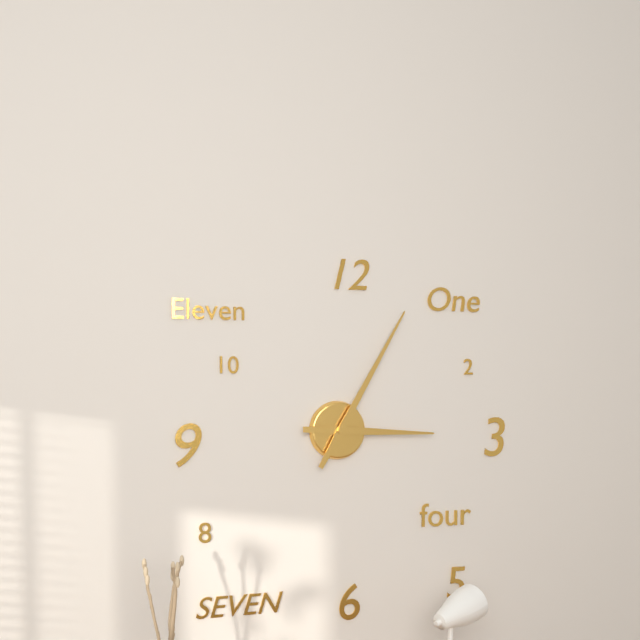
3:05
